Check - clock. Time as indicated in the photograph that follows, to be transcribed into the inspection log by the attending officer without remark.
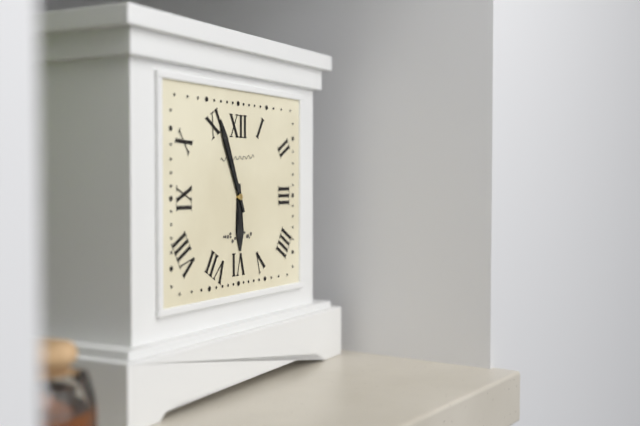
5:56
